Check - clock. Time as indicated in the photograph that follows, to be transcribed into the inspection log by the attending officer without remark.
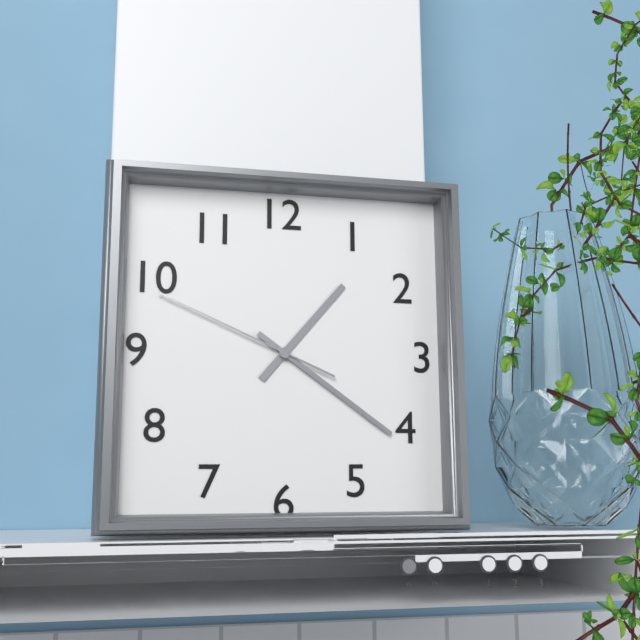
1:21:49
